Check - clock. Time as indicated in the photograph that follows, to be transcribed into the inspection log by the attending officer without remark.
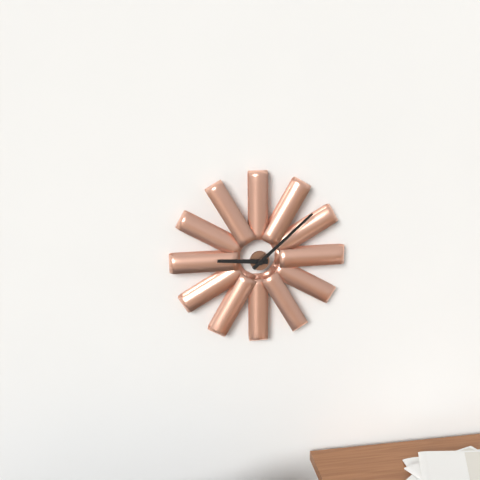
9:08
